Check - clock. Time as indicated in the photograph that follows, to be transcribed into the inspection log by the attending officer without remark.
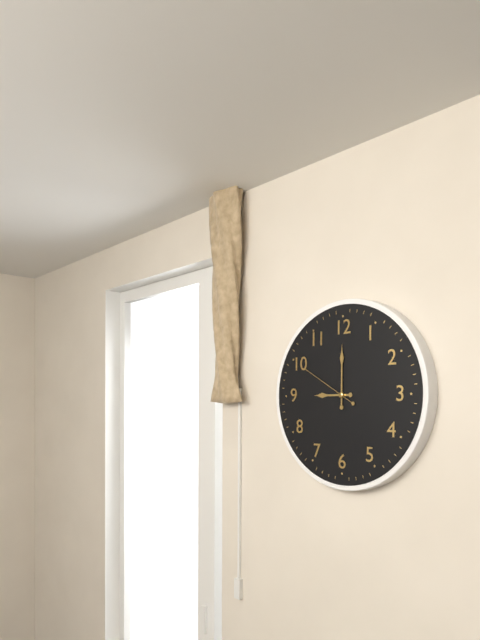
9:00:50
